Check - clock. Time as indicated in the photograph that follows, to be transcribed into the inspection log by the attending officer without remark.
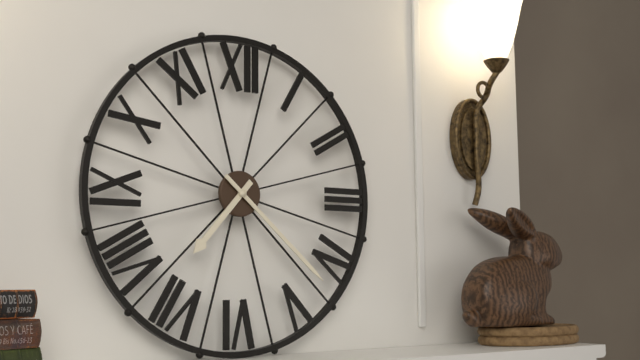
7:22
